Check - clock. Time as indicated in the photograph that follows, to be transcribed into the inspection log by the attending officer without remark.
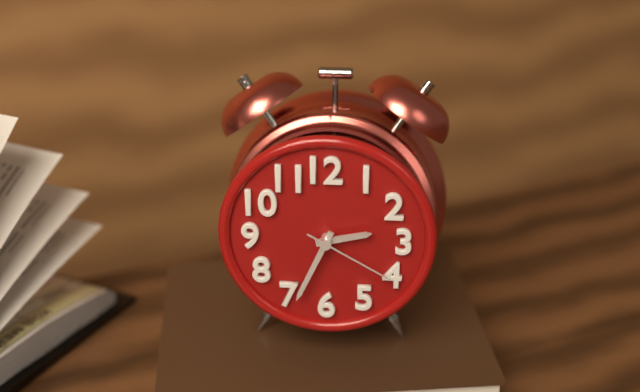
2:34:20
